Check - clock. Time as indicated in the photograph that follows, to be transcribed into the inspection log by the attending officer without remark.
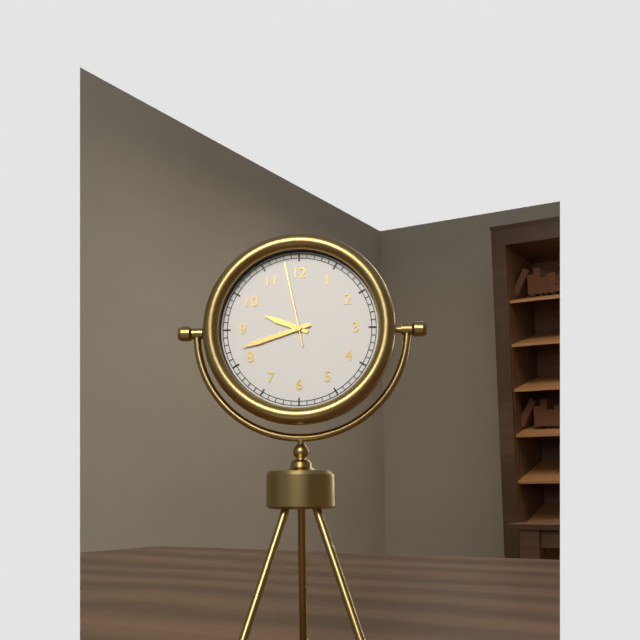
9:42:58
